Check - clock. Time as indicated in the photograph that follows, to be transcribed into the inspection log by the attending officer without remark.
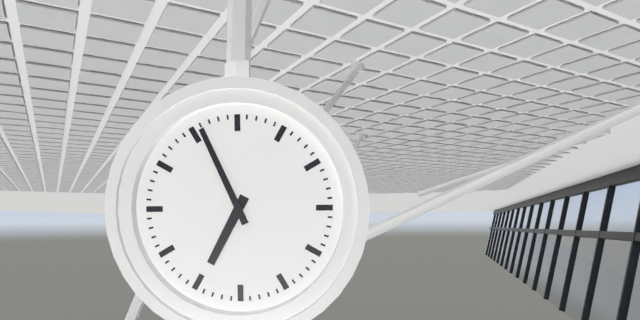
6:56
